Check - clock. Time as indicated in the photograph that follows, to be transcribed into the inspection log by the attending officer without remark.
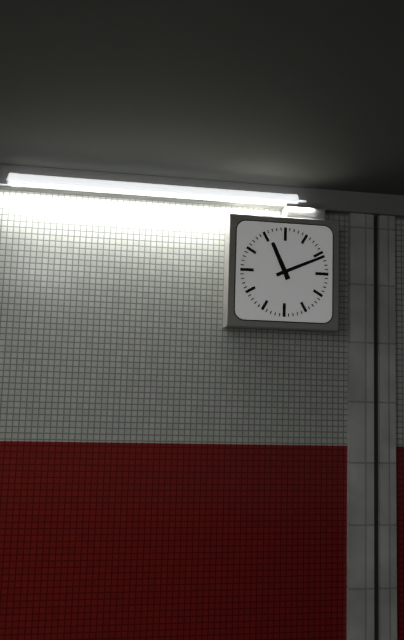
11:11
